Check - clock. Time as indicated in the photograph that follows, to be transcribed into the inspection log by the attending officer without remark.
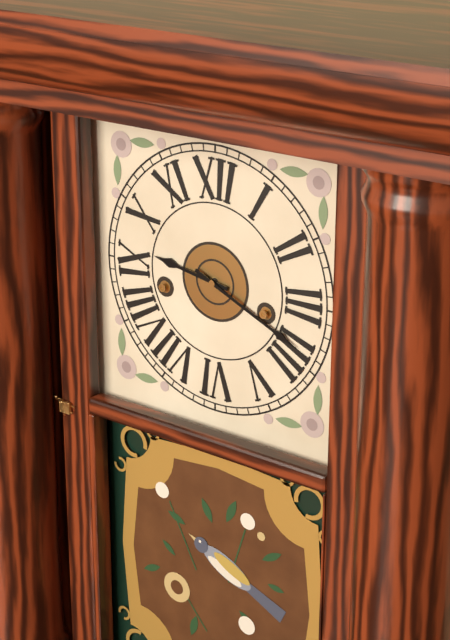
9:19
